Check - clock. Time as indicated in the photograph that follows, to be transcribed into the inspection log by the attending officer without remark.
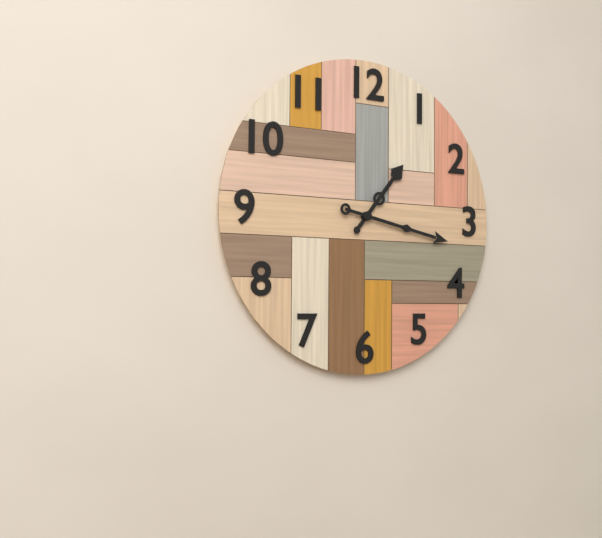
1:17
